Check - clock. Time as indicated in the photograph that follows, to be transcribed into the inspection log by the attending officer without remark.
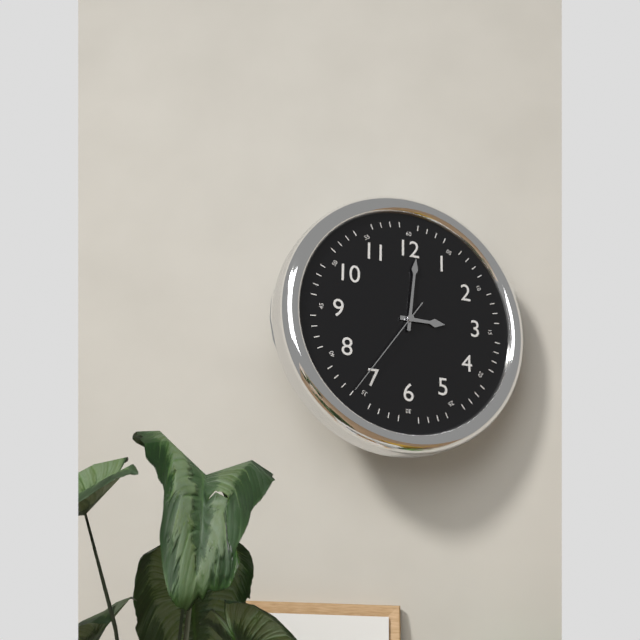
3:01:36
